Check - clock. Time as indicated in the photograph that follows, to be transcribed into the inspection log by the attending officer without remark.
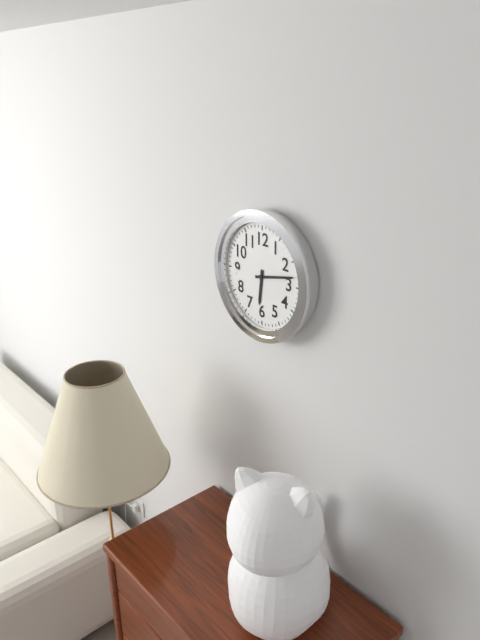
6:13
